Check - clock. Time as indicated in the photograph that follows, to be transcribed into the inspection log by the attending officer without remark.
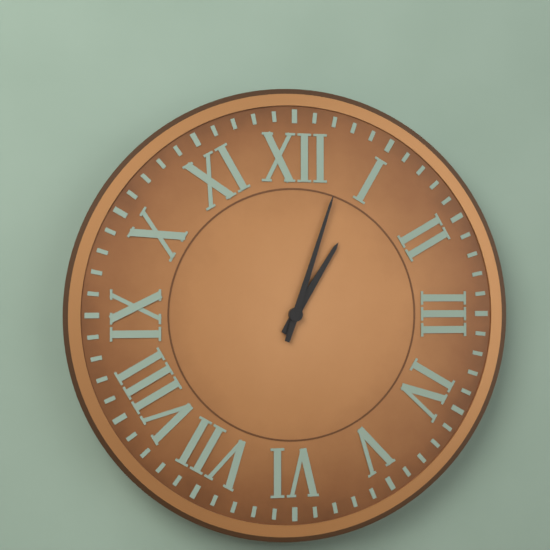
1:03
